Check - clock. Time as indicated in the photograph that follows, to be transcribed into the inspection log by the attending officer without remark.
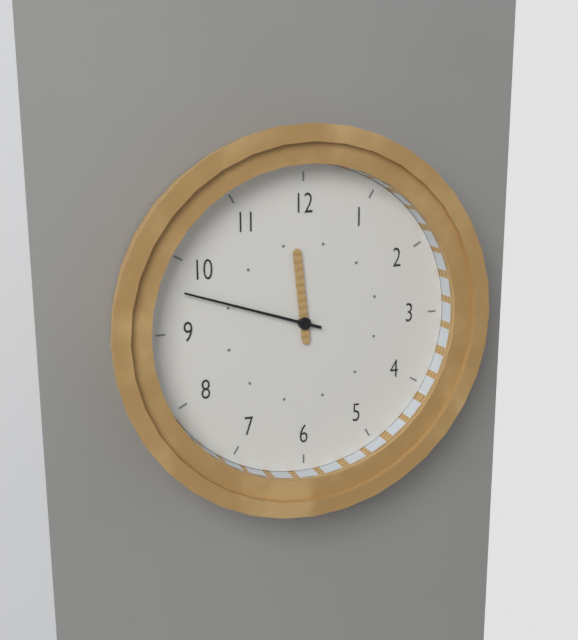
11:48
